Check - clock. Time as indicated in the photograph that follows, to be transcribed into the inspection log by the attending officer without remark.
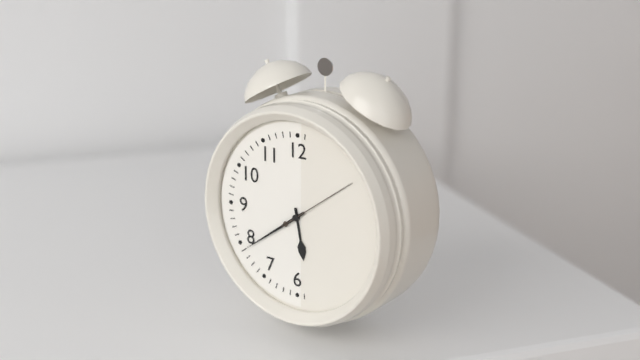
5:39:09
